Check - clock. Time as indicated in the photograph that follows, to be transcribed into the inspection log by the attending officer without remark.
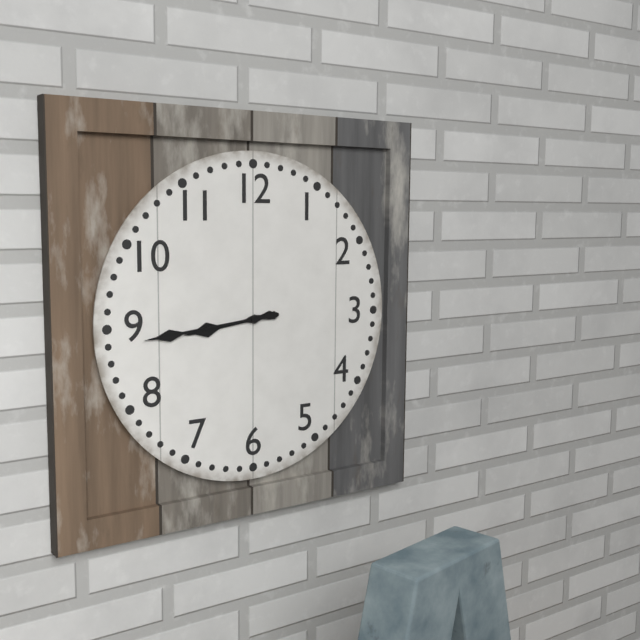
8:44
